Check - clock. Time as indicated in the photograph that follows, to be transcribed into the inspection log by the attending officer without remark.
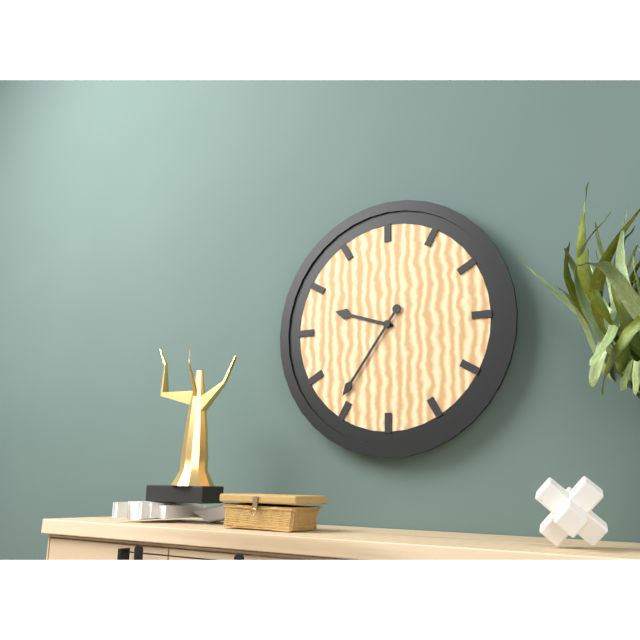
9:36
